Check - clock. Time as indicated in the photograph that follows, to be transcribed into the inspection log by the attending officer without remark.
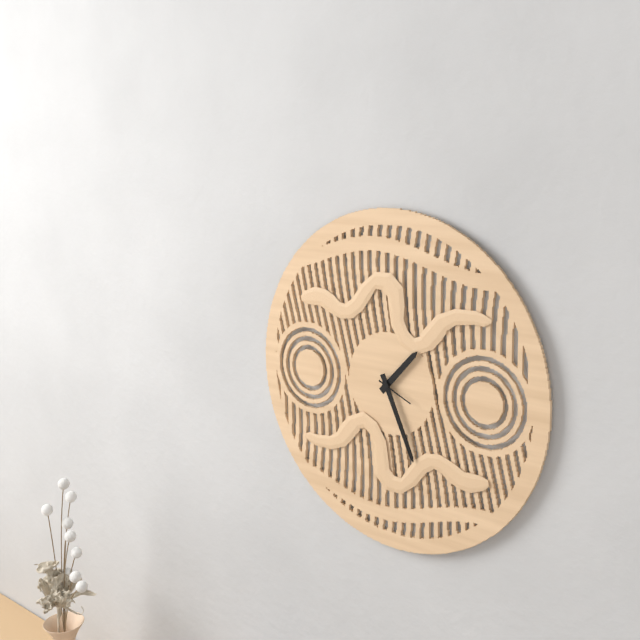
1:26
